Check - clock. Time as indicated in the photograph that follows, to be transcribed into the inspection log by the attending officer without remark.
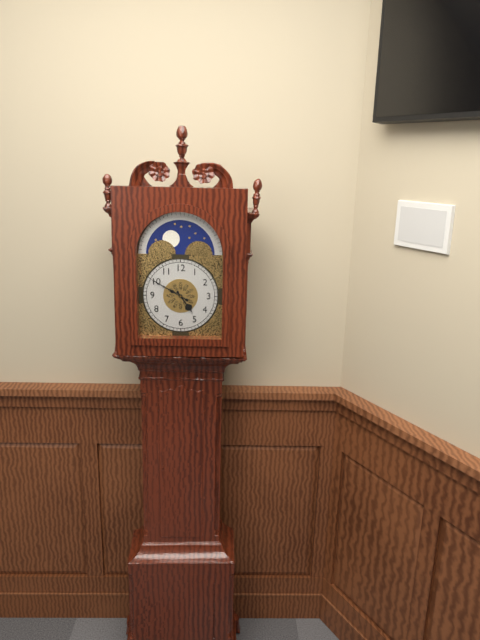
4:50
